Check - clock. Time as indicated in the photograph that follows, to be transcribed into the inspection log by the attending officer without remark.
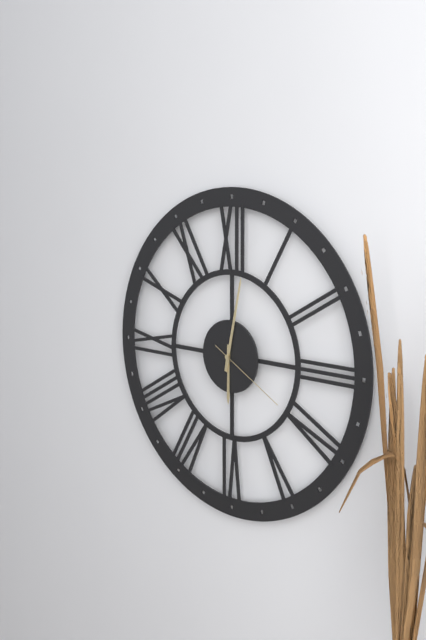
6:02:20
